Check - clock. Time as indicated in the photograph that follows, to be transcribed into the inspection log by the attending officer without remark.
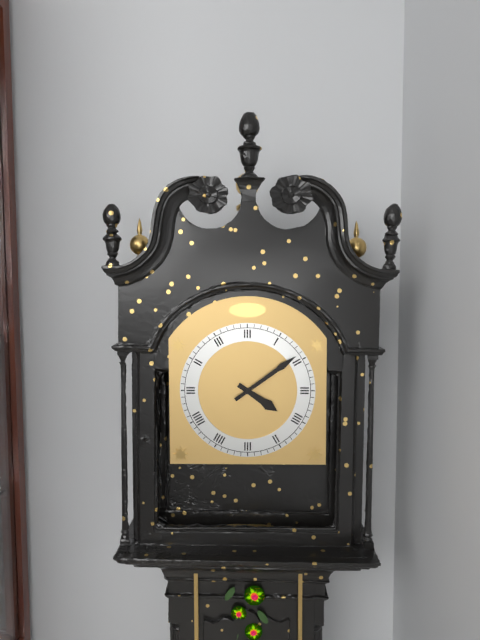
4:09
